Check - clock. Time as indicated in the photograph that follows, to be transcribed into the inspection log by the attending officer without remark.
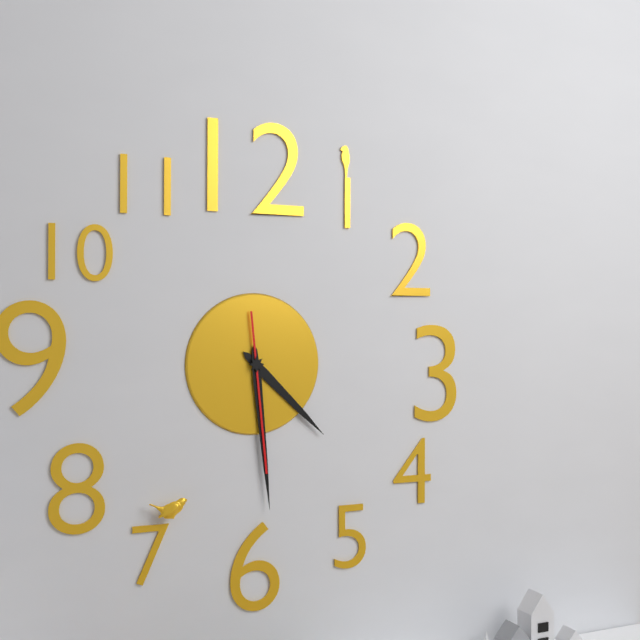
4:29:29
